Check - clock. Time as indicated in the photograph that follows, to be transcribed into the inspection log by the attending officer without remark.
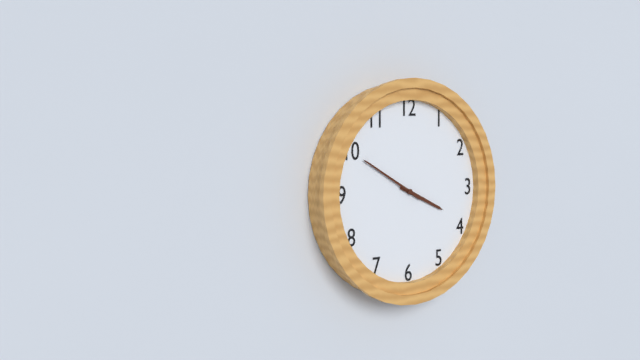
3:50
